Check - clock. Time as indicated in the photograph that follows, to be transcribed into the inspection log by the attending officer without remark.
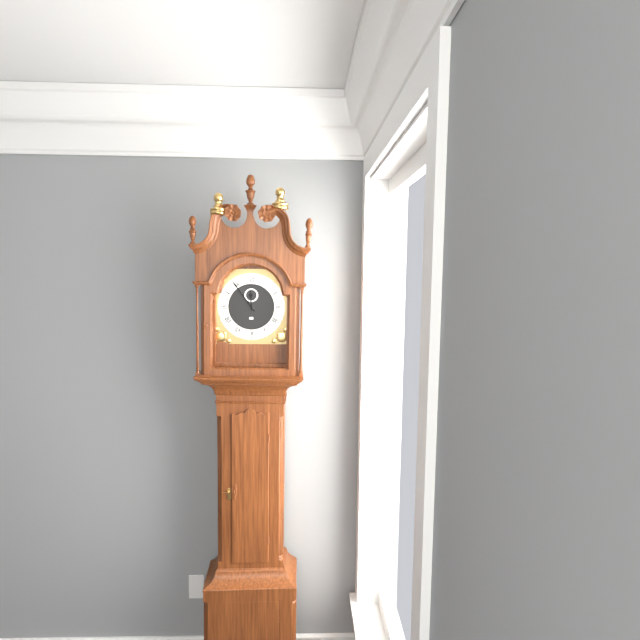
11:54
